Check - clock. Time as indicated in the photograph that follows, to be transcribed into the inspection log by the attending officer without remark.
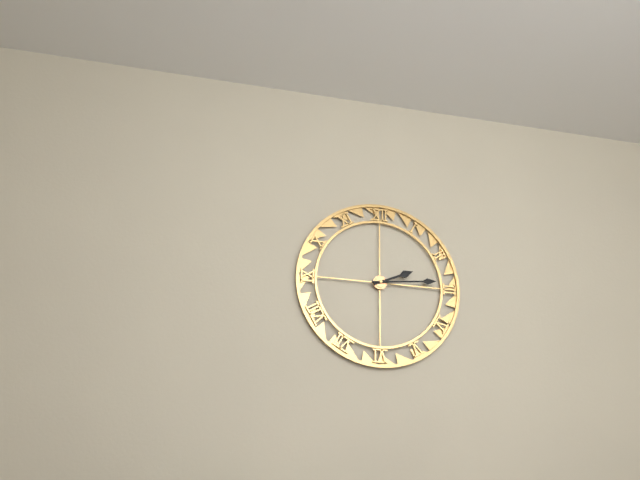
2:14
